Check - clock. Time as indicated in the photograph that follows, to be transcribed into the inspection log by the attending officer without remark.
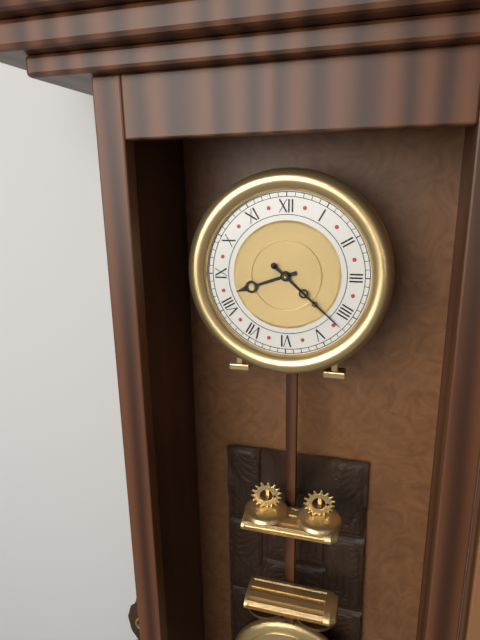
8:22
